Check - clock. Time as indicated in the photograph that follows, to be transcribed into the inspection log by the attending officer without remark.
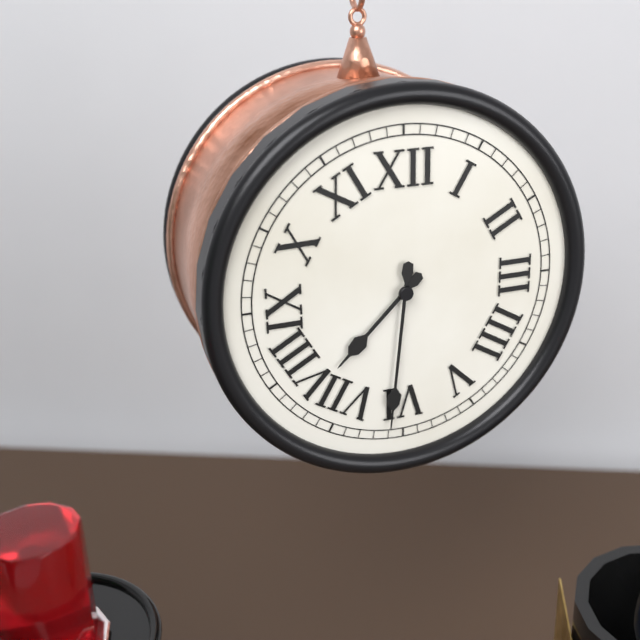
7:31
